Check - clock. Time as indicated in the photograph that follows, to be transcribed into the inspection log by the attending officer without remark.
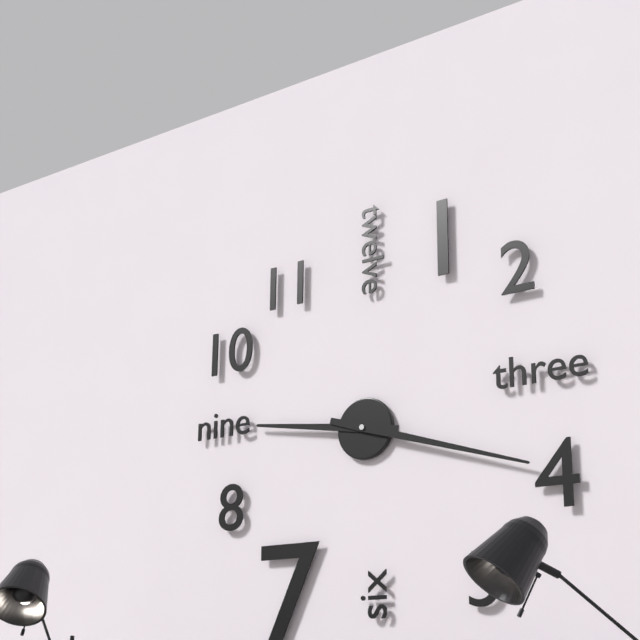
9:18
